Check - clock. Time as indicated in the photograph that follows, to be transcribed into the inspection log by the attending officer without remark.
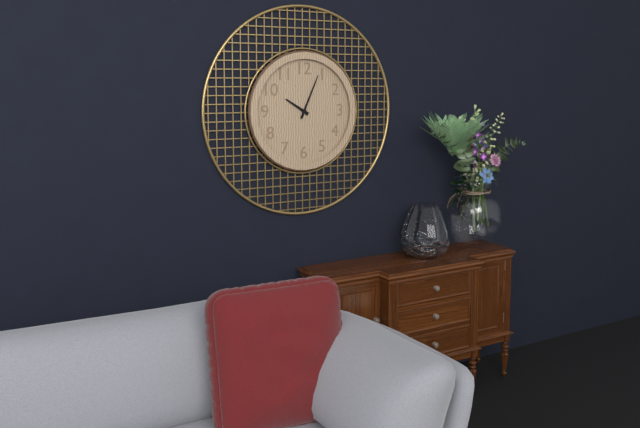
10:04
